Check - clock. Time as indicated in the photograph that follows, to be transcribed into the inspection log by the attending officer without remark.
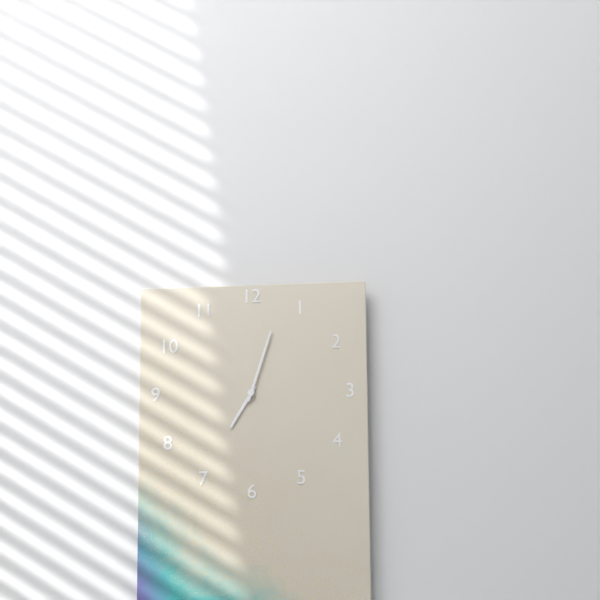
7:03
